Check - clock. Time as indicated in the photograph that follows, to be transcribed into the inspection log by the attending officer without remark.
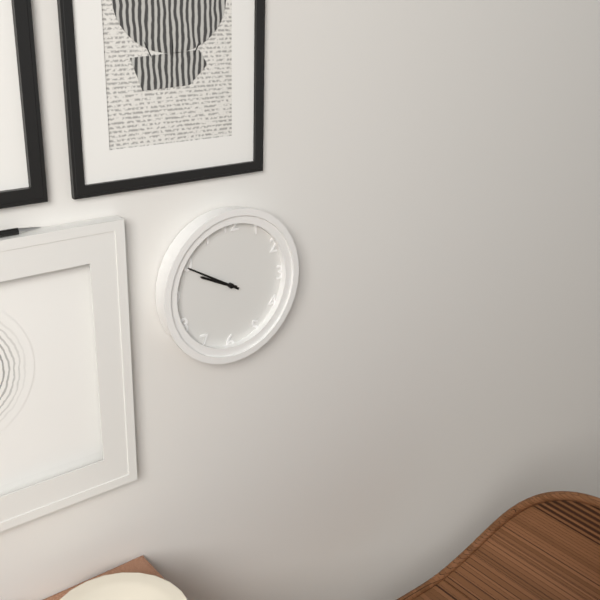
9:50
